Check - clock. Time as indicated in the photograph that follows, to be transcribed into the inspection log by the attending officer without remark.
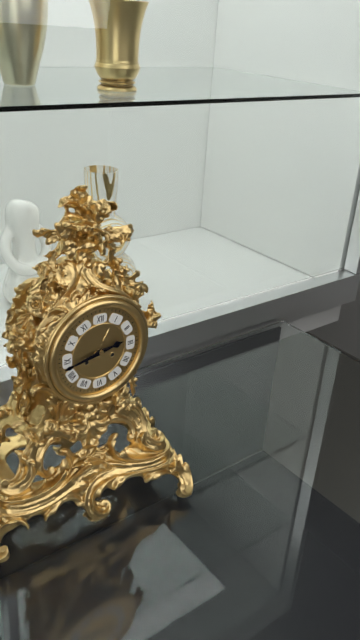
2:43
